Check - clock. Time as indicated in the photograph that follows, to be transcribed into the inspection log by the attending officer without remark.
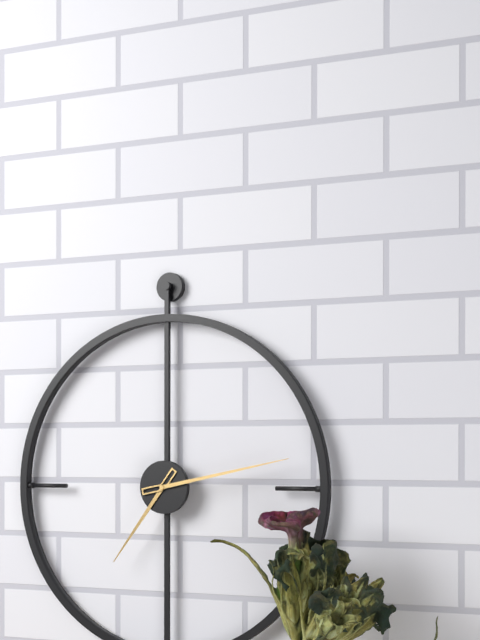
7:13
